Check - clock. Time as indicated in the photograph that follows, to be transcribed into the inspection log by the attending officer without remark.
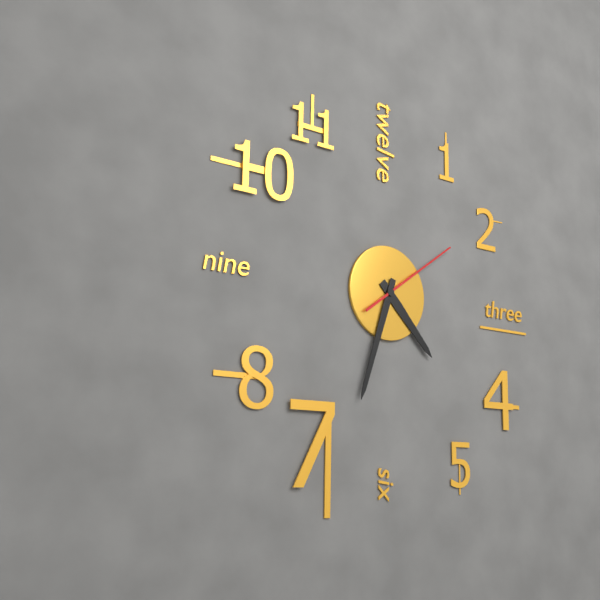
4:33:09
